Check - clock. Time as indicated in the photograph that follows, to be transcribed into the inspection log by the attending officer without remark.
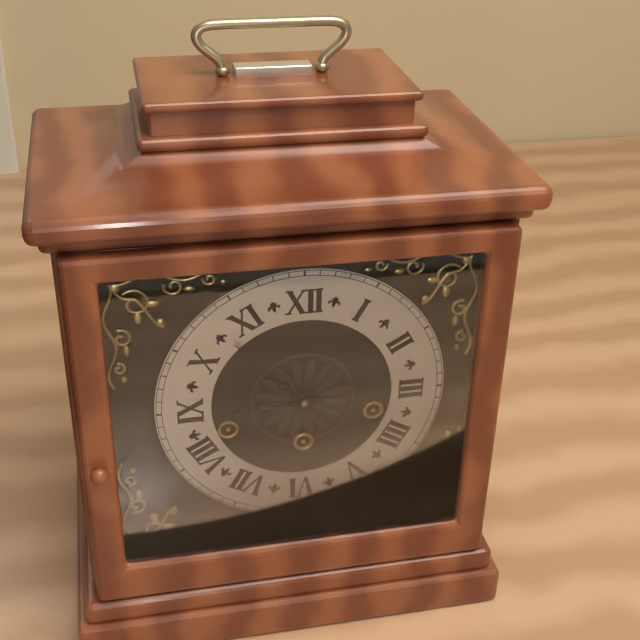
8:53
